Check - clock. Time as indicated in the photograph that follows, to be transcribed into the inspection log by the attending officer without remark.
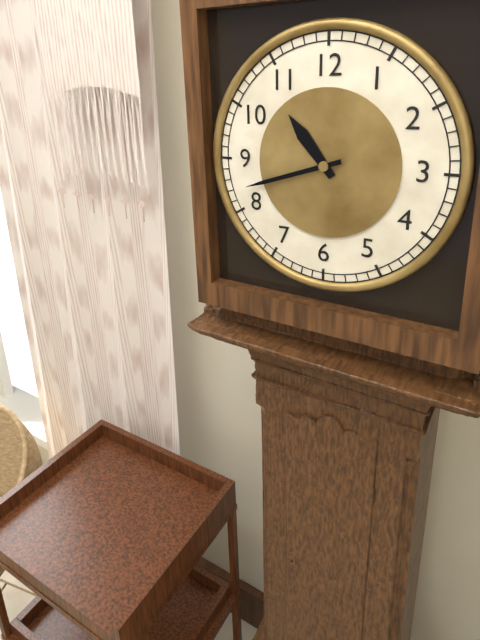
10:42
